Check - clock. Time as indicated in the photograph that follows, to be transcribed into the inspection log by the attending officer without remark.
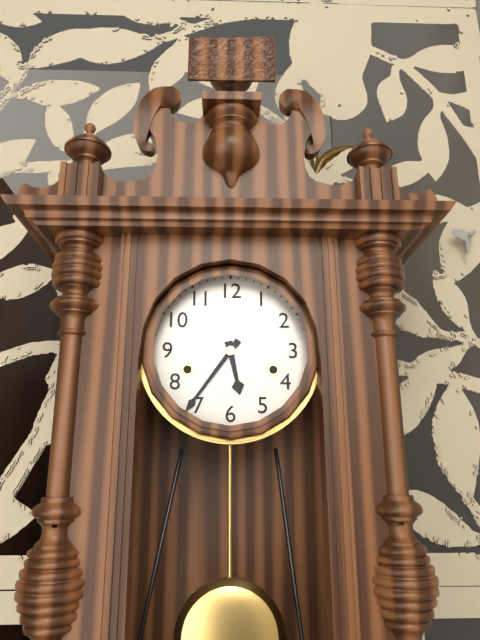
5:36
